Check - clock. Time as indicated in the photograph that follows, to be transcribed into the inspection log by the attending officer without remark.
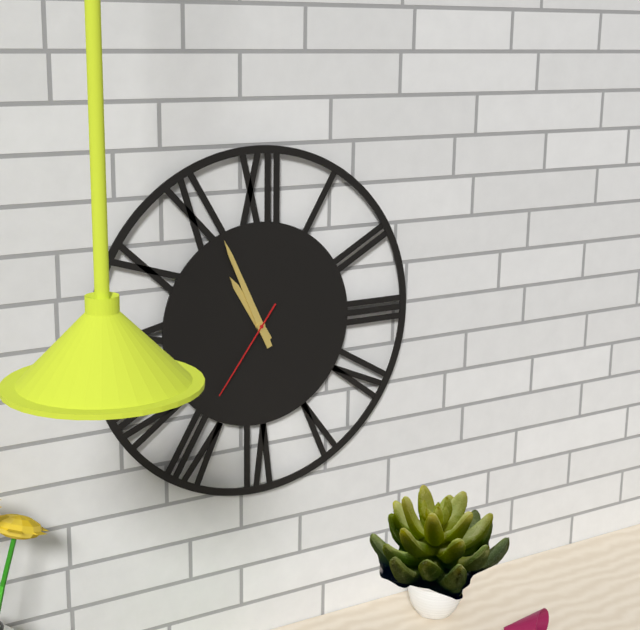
10:56:36
